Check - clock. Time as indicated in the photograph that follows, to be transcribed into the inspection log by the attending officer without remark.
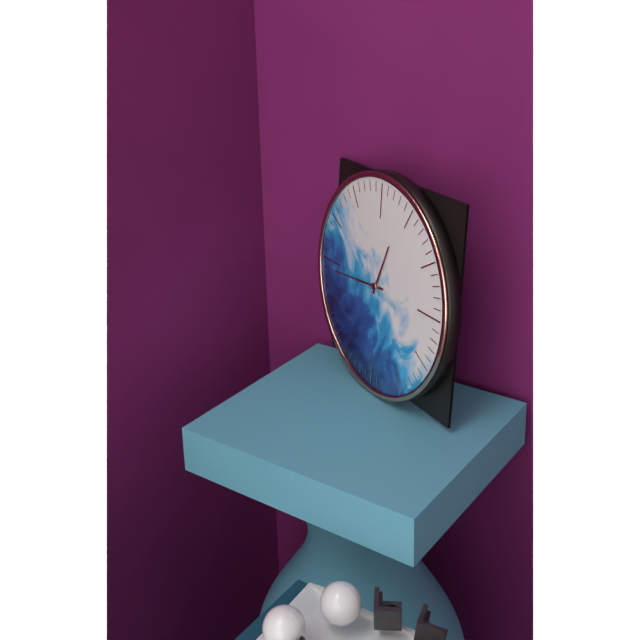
12:44
